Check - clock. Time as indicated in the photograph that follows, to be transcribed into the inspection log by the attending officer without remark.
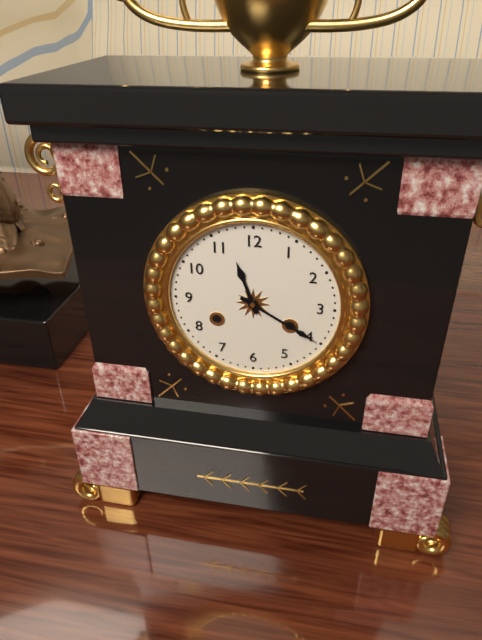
11:20
